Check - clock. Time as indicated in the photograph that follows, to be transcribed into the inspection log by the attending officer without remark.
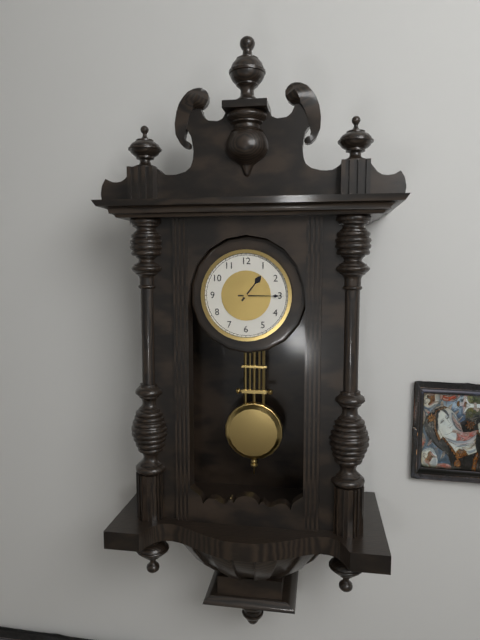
1:15
